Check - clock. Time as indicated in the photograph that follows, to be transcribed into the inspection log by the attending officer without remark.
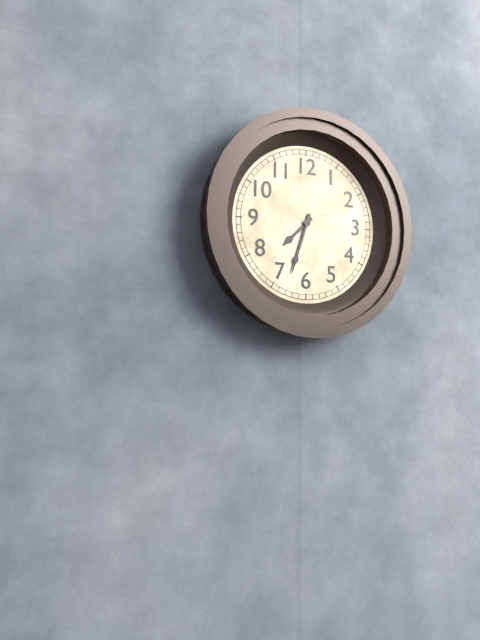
7:33
